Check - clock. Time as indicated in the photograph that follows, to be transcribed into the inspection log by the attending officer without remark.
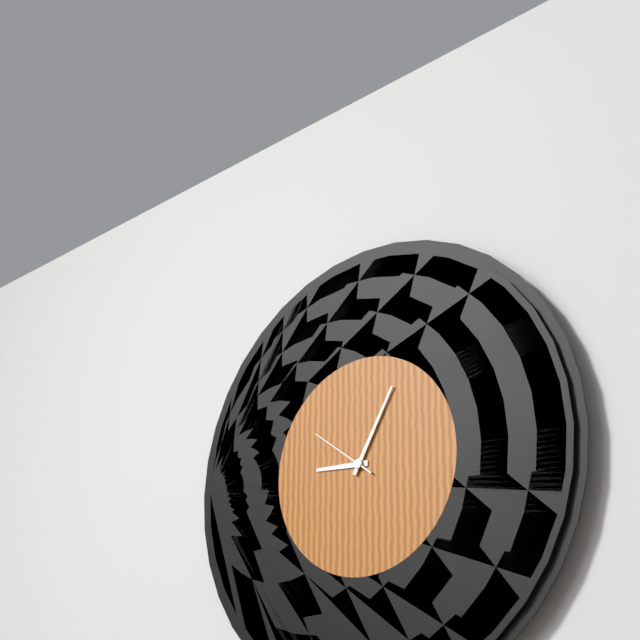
9:05:51
